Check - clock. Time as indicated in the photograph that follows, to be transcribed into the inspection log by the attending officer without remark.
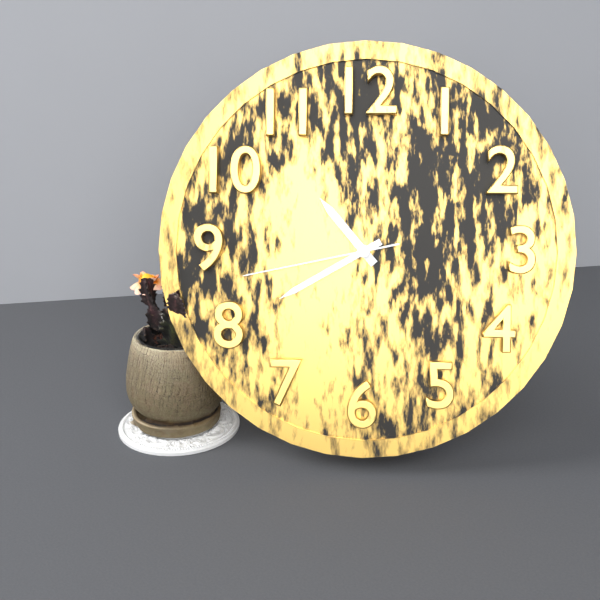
10:40:43
